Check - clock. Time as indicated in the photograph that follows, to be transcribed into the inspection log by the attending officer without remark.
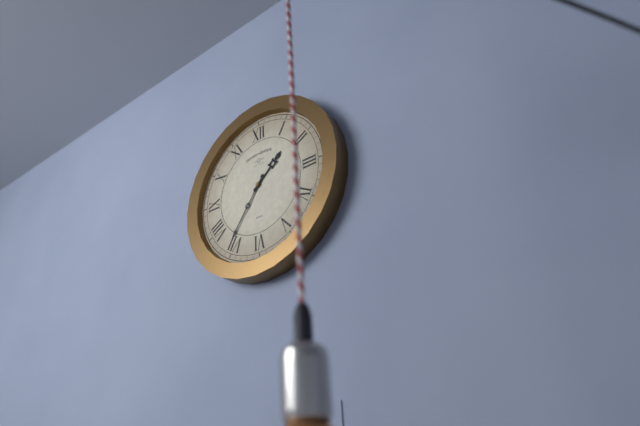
1:36
